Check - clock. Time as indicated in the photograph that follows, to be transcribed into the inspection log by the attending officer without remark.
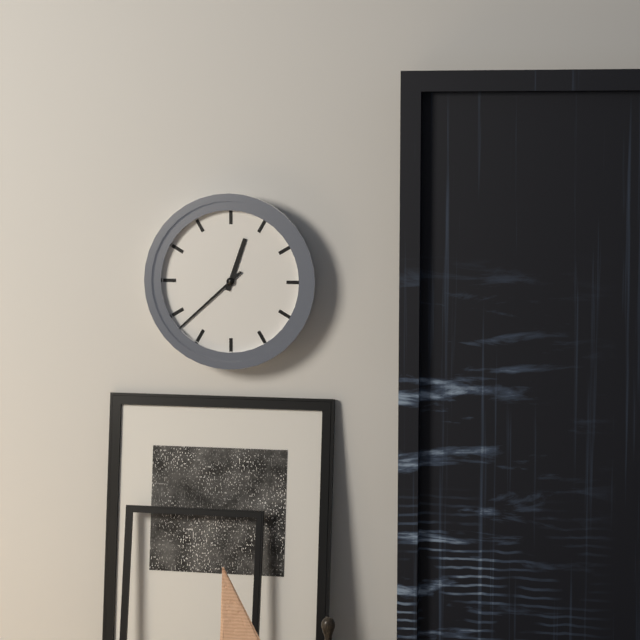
12:38
